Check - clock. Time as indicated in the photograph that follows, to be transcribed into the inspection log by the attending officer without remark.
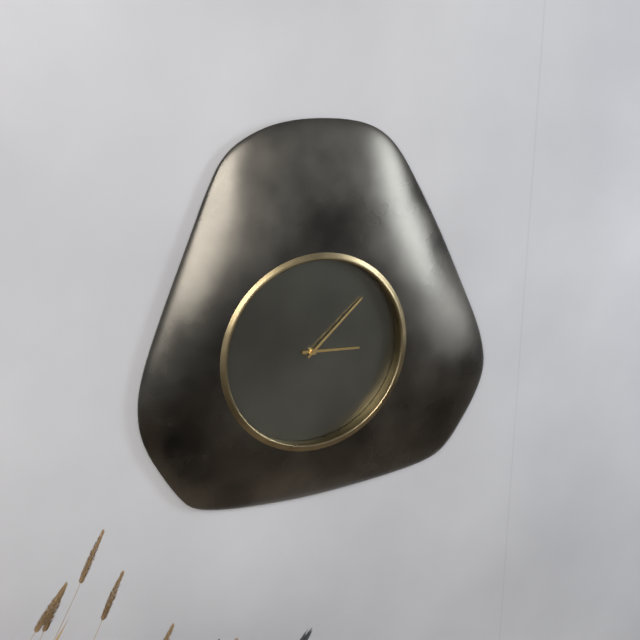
3:08
